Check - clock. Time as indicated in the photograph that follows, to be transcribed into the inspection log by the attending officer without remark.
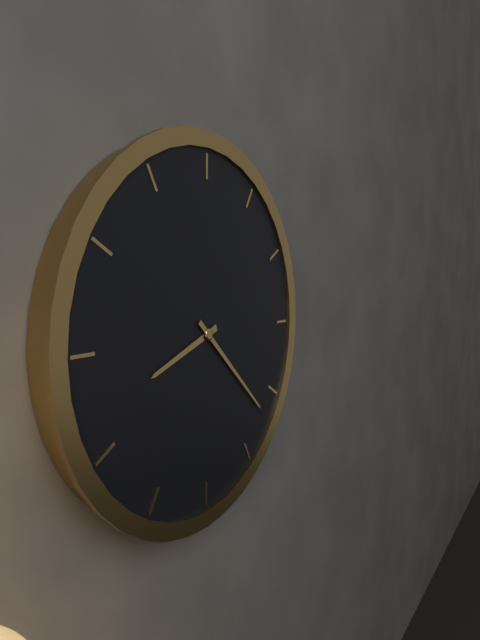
8:22
